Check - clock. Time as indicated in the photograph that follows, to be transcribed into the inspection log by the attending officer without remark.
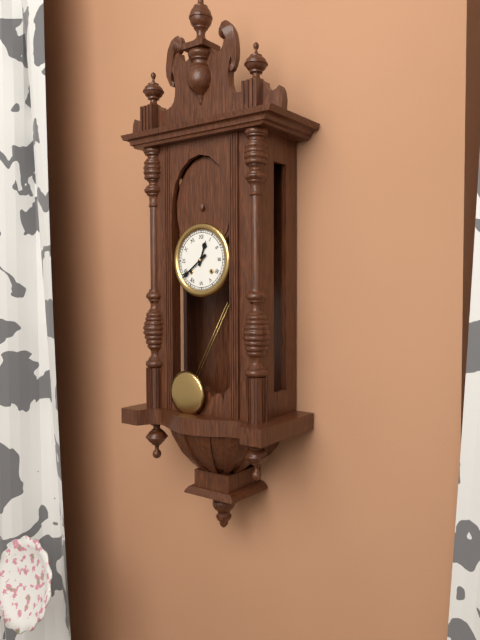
12:39
